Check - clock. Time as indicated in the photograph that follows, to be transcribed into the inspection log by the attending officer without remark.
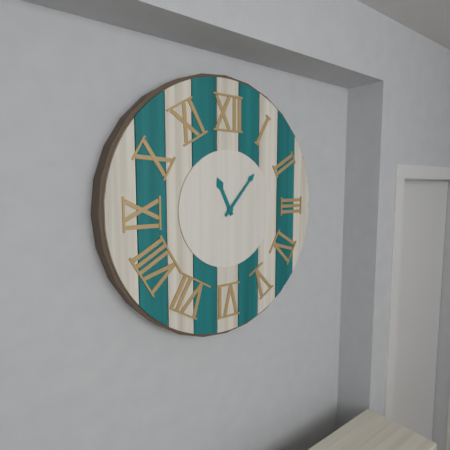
11:07
